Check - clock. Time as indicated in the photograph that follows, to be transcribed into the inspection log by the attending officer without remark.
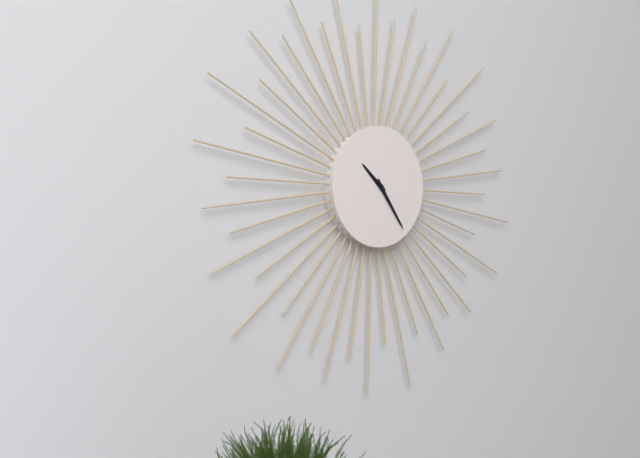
10:24
